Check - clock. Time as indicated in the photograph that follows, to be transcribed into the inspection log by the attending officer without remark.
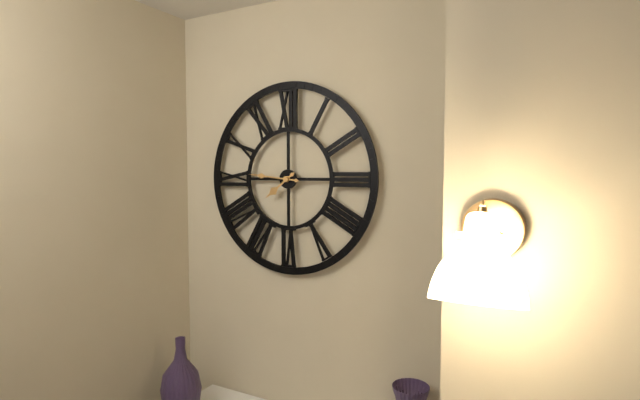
7:46
